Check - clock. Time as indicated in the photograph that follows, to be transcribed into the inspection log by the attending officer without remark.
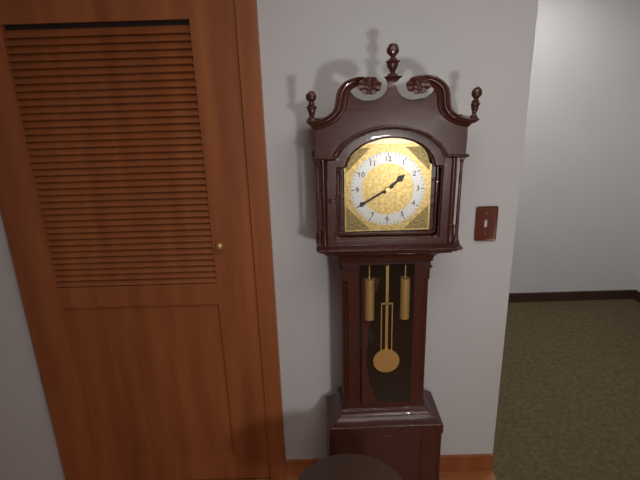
1:40
